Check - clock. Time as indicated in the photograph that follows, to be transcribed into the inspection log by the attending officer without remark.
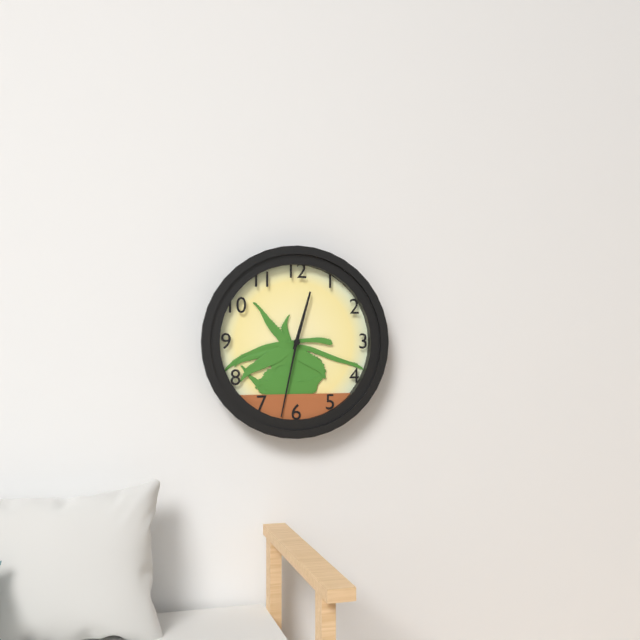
12:32
